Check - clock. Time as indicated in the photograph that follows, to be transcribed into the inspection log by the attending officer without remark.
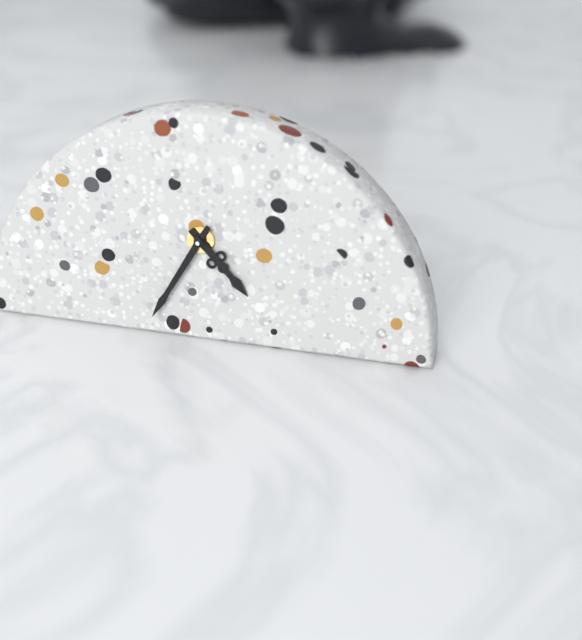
4:35
